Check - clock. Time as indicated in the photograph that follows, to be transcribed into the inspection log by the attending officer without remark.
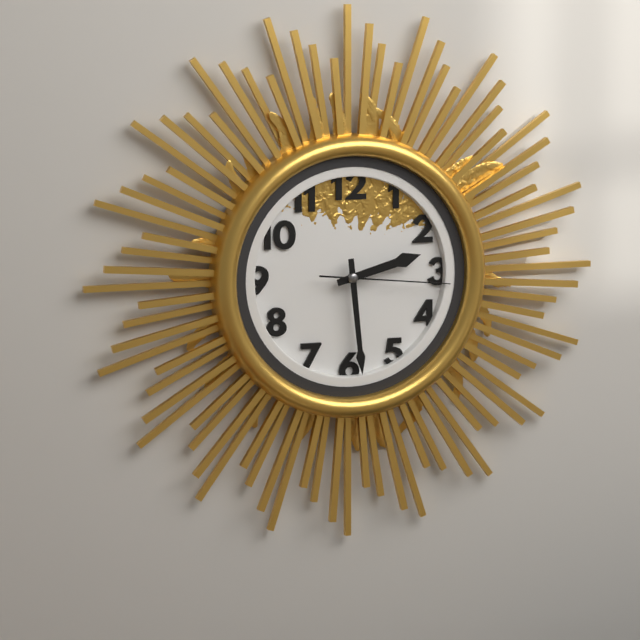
2:29:16
